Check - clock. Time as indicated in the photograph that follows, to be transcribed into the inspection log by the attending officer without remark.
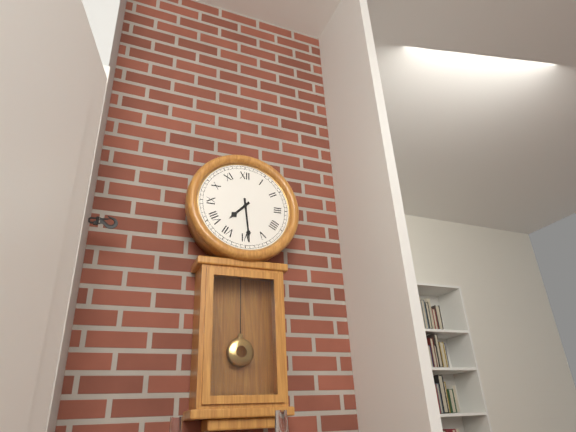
7:29
